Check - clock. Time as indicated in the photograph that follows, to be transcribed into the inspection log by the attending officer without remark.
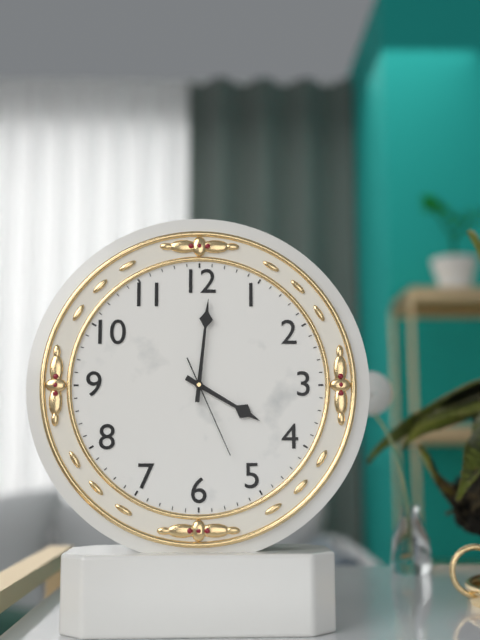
4:01:26
